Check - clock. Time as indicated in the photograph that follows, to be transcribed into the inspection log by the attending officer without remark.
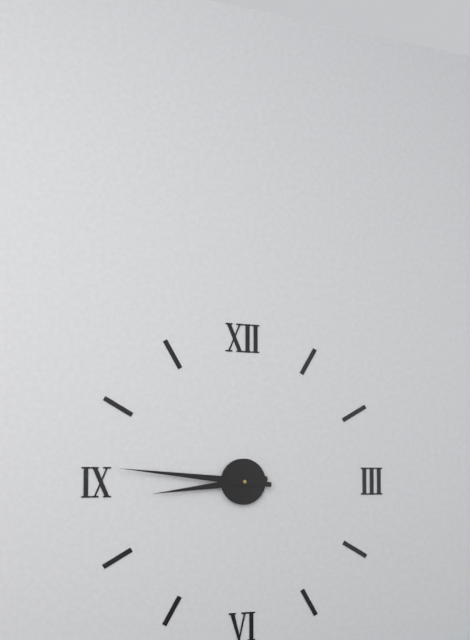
8:46
